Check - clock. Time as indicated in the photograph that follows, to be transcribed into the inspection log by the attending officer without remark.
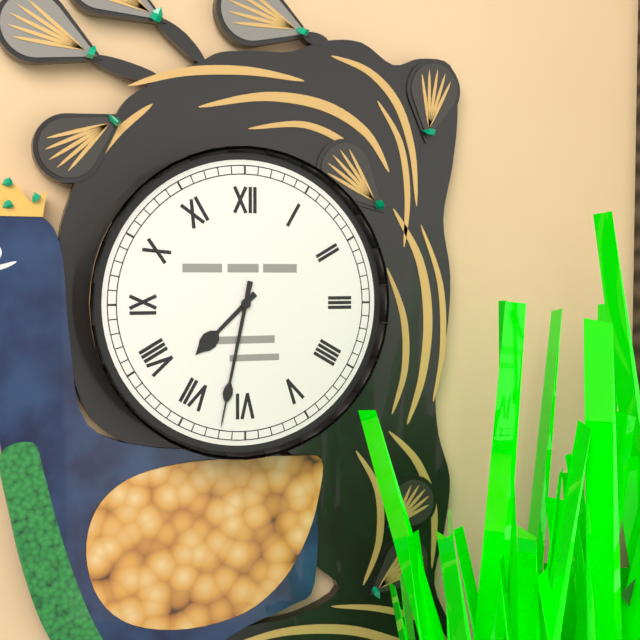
7:32
